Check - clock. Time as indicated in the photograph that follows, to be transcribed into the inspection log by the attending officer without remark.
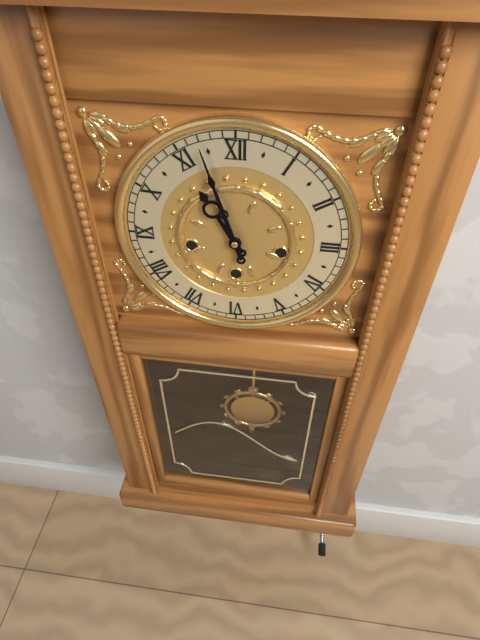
10:57
